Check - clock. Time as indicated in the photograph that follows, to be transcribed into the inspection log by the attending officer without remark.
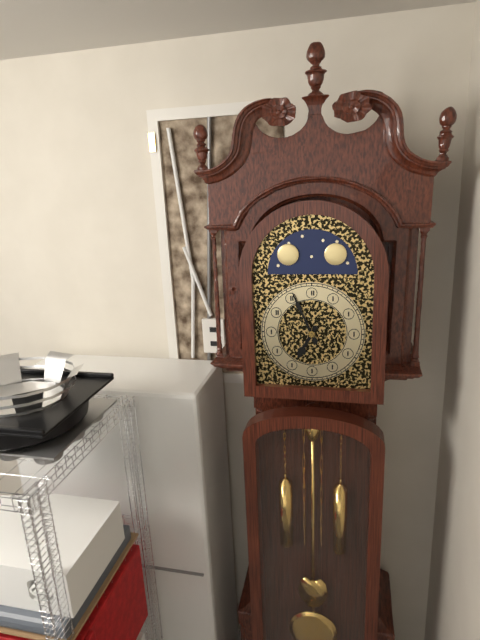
6:56
